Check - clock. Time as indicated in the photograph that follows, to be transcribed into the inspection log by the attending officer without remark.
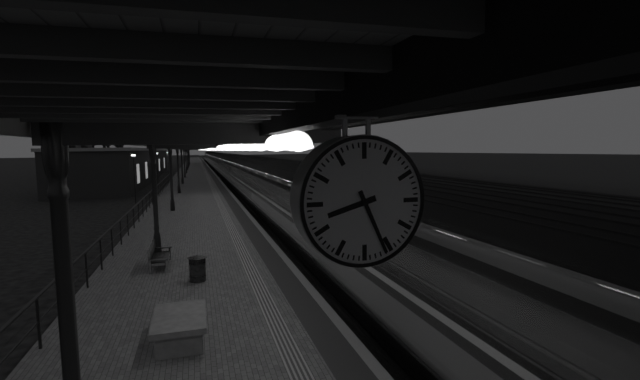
8:26
